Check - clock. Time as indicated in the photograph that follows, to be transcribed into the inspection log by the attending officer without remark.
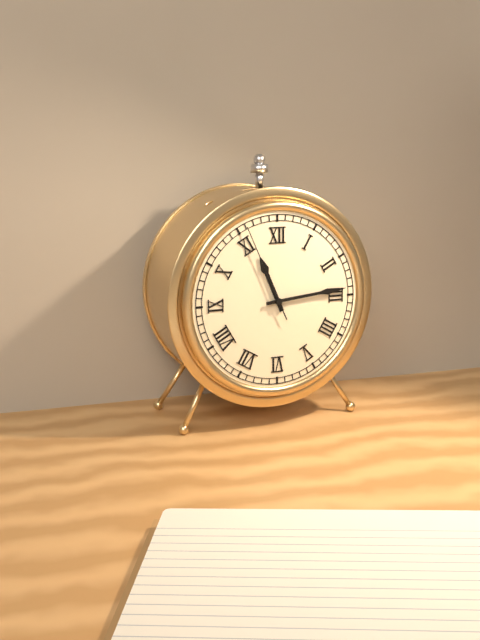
11:14:56
